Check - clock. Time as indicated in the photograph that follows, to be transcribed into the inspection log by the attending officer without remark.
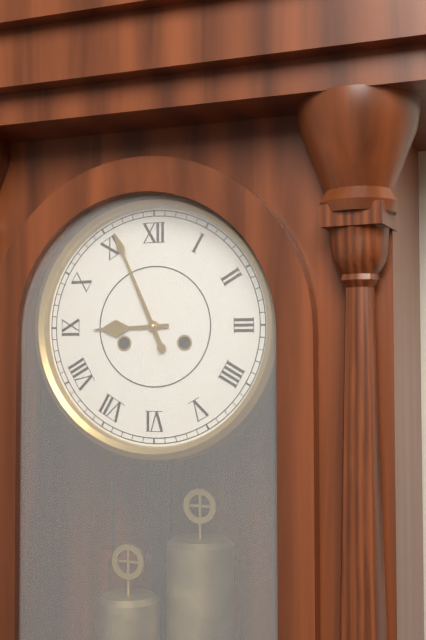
8:56
